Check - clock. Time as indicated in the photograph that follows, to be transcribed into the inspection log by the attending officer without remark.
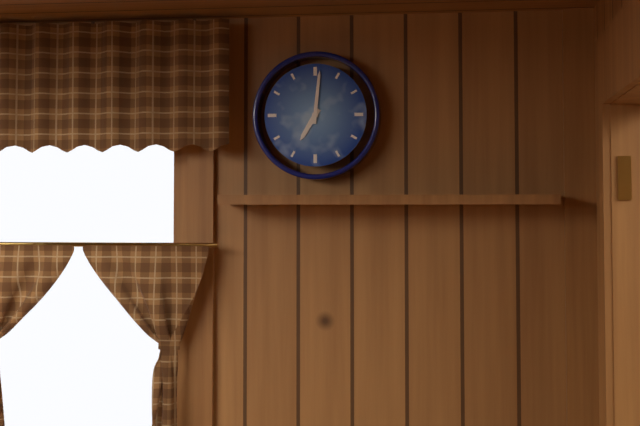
7:01
